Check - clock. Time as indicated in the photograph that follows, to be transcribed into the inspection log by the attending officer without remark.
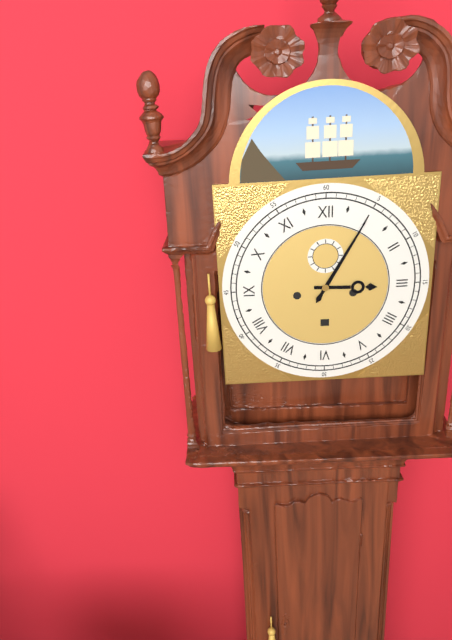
3:05
